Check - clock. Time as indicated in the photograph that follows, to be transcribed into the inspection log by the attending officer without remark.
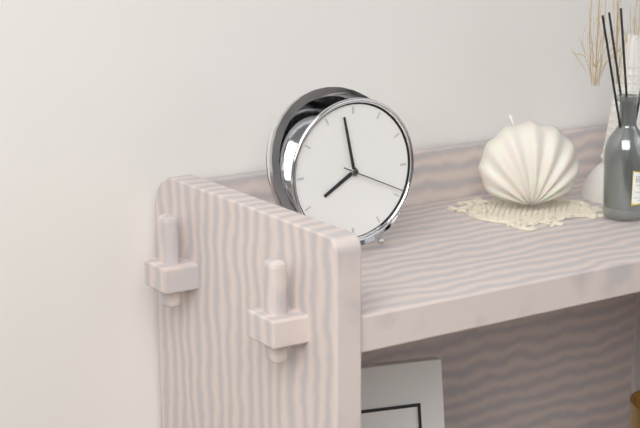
7:58:19
